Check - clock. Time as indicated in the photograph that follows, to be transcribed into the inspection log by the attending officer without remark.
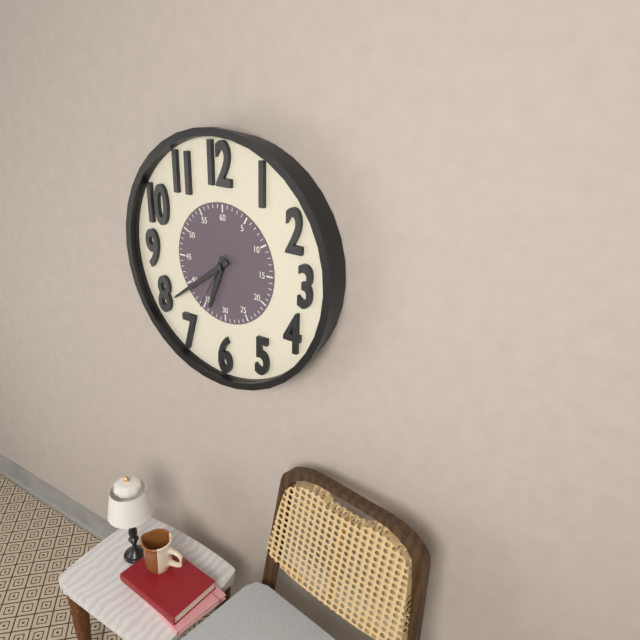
6:39:35
